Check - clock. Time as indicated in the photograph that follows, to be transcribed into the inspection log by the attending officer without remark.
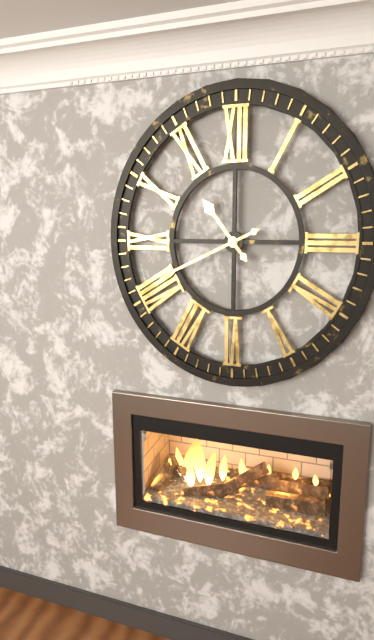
10:41
